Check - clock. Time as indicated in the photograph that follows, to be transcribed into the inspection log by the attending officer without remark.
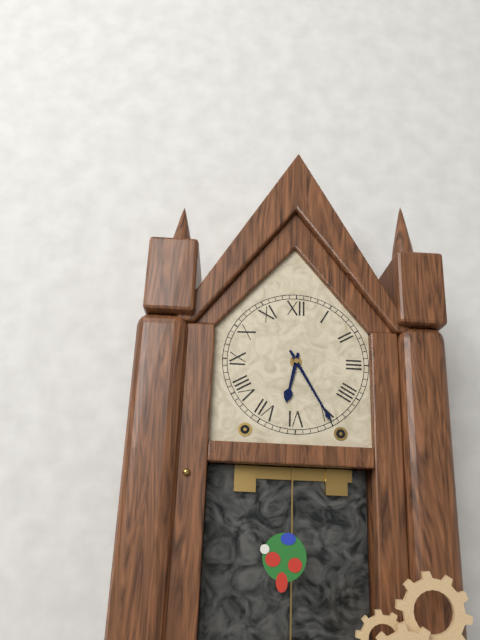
6:25
